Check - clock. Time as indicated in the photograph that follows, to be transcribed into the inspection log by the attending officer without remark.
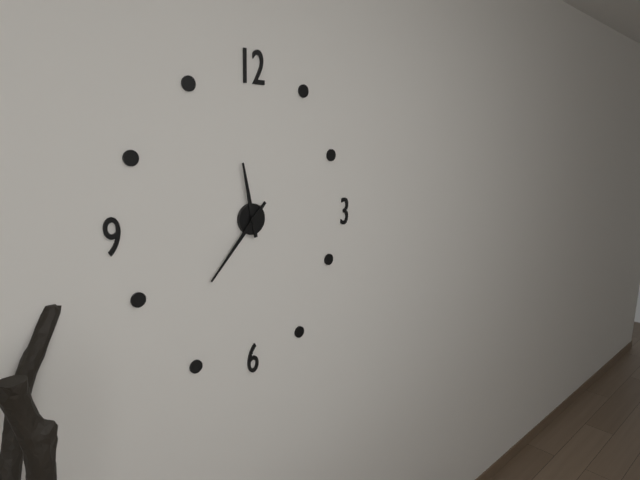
11:37
